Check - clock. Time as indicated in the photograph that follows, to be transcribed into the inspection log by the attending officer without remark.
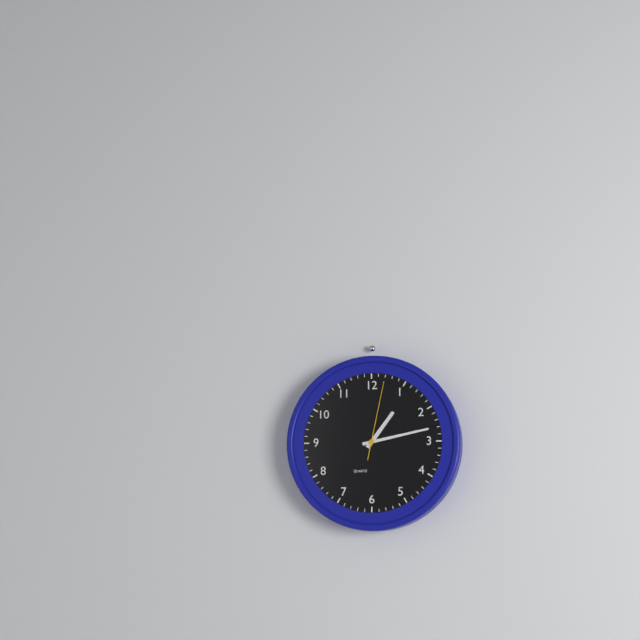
1:13:02
